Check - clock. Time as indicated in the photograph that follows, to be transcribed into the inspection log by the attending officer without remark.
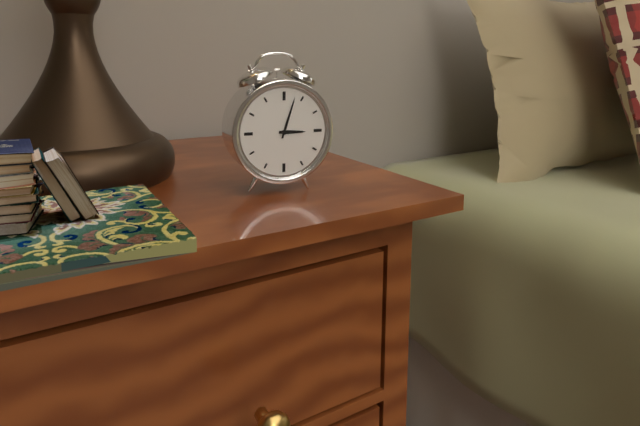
3:03
